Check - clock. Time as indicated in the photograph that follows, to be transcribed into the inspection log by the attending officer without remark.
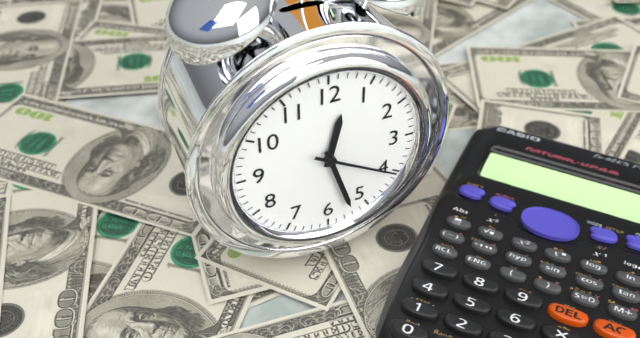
12:27:20
